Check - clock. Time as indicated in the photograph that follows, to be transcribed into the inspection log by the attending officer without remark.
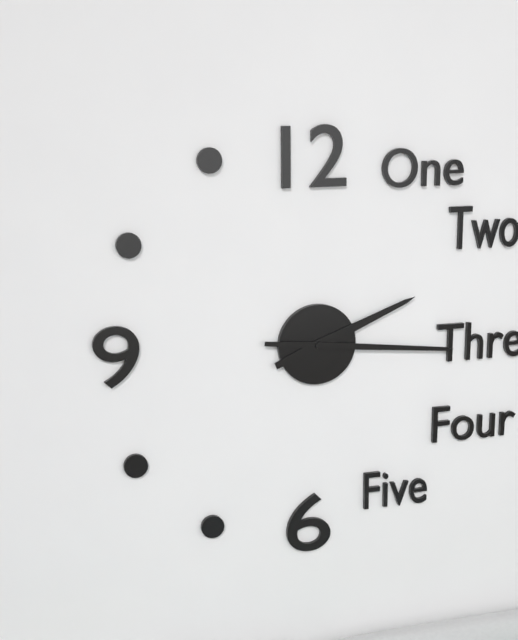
2:16
